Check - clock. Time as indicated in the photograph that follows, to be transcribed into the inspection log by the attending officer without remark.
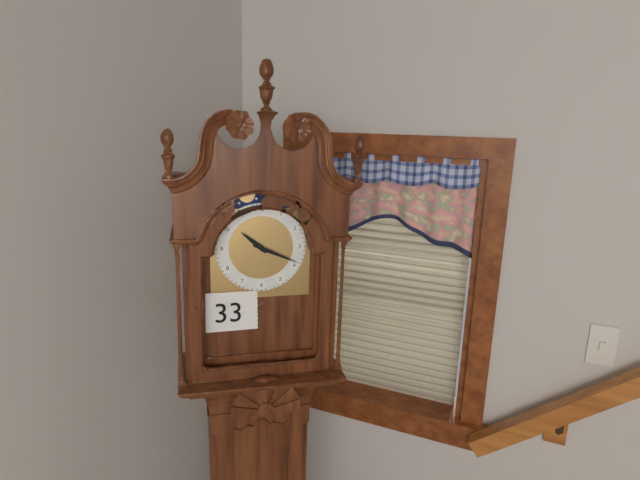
10:19
